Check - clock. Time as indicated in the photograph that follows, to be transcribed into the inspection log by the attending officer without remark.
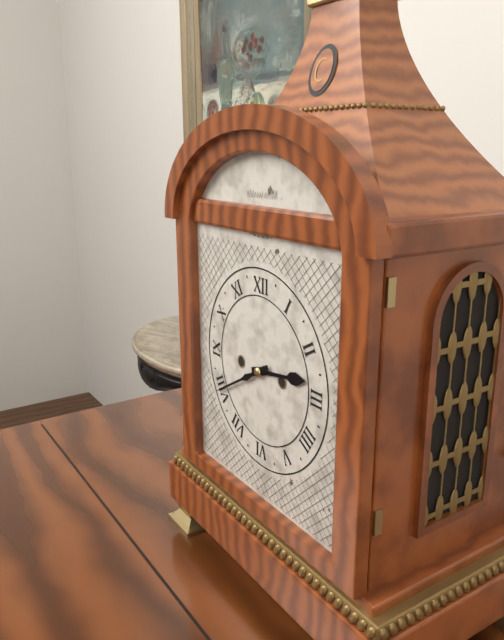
2:40
